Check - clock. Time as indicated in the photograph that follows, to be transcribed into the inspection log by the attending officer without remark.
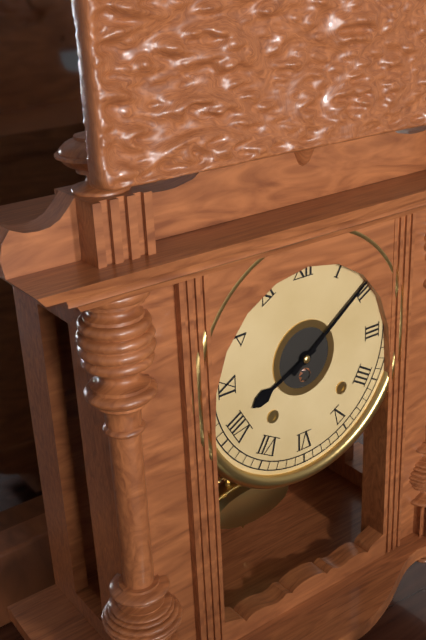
8:09
